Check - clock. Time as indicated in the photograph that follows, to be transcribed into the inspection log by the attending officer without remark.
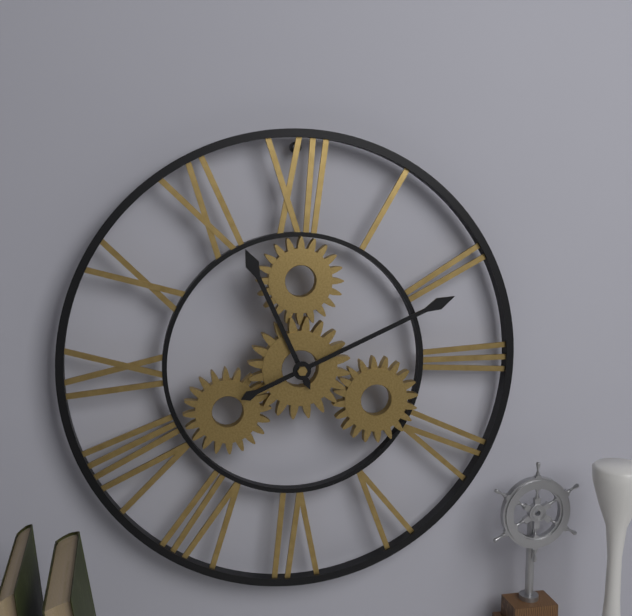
11:11
